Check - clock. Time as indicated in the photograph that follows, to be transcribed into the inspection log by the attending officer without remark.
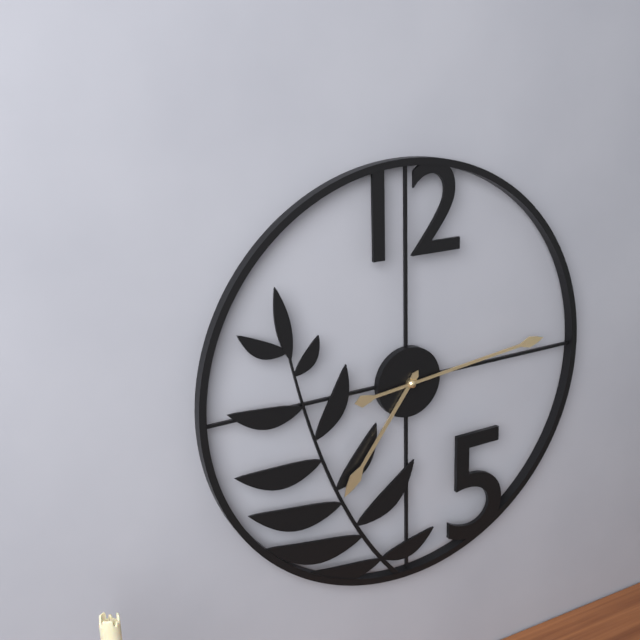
7:14
